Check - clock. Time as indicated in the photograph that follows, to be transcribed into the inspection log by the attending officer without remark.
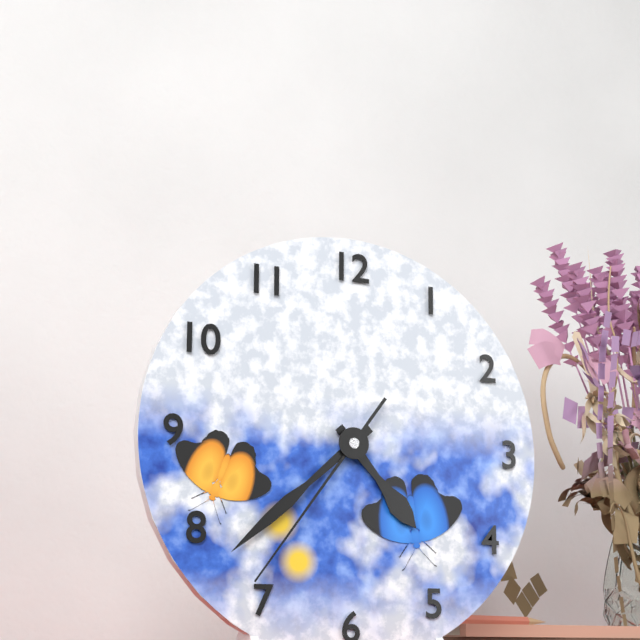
4:38:36
